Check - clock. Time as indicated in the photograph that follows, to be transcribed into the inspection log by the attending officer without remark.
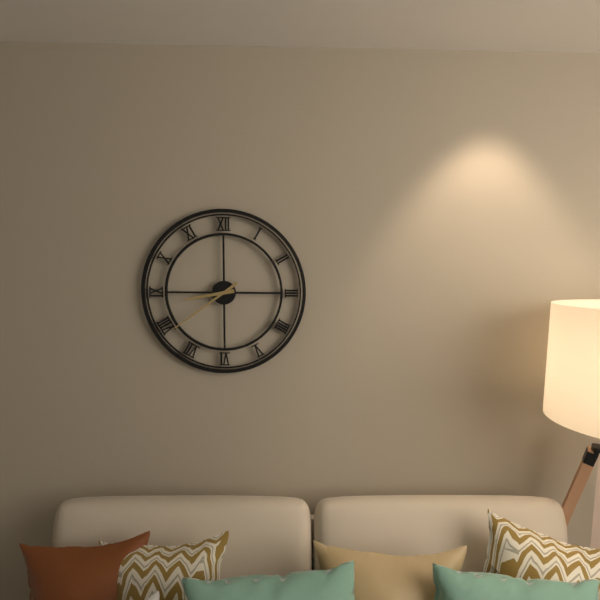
8:39
